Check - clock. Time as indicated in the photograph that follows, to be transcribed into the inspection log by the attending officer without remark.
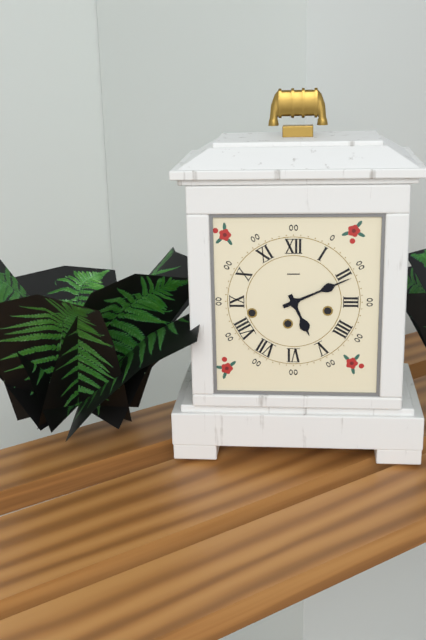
5:11
